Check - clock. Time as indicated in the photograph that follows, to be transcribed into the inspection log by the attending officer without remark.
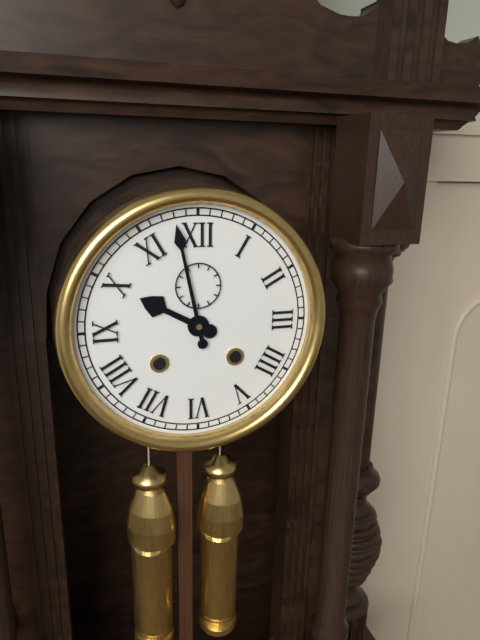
9:58
